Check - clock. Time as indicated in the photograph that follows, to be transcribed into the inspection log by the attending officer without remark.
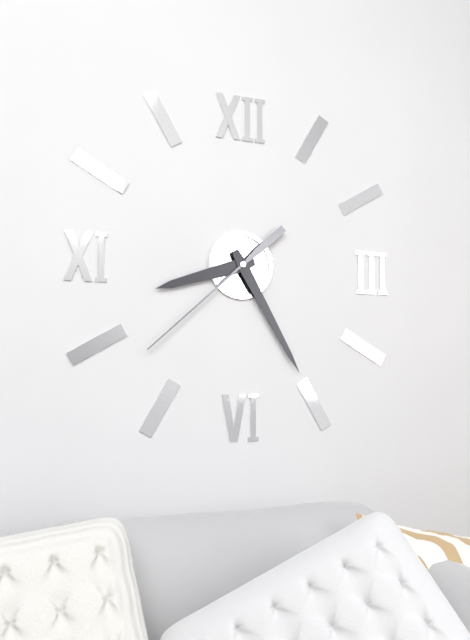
8:25:38
